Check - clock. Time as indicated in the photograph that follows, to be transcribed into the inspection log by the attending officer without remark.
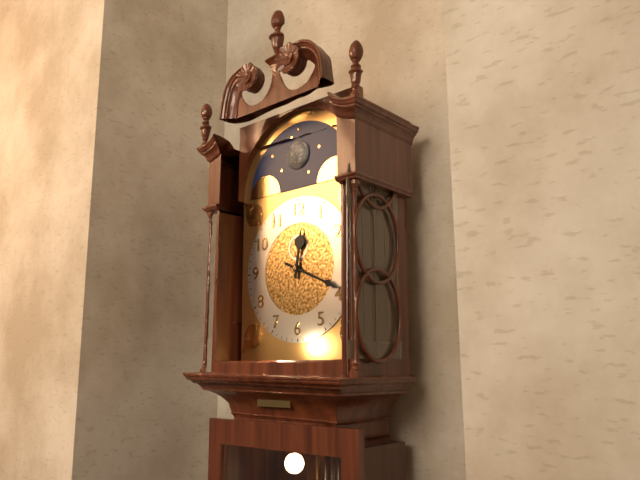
12:19
